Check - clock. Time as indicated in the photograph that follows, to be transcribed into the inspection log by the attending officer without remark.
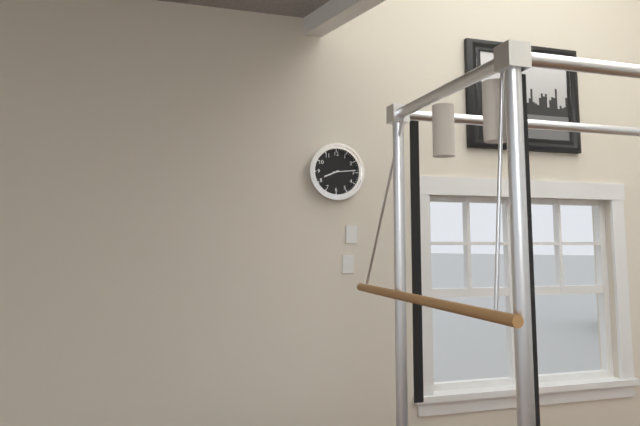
8:14
